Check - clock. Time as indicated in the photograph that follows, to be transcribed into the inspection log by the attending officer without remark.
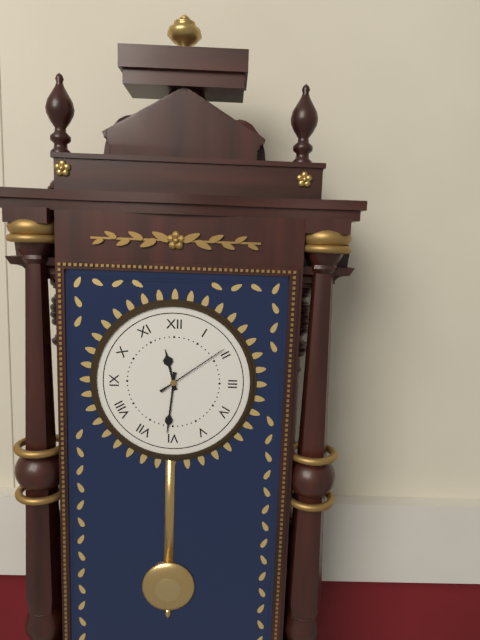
11:31:09
